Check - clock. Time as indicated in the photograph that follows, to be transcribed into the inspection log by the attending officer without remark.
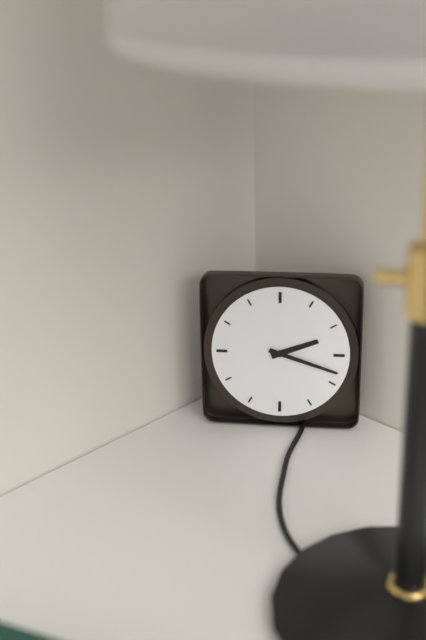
2:18
